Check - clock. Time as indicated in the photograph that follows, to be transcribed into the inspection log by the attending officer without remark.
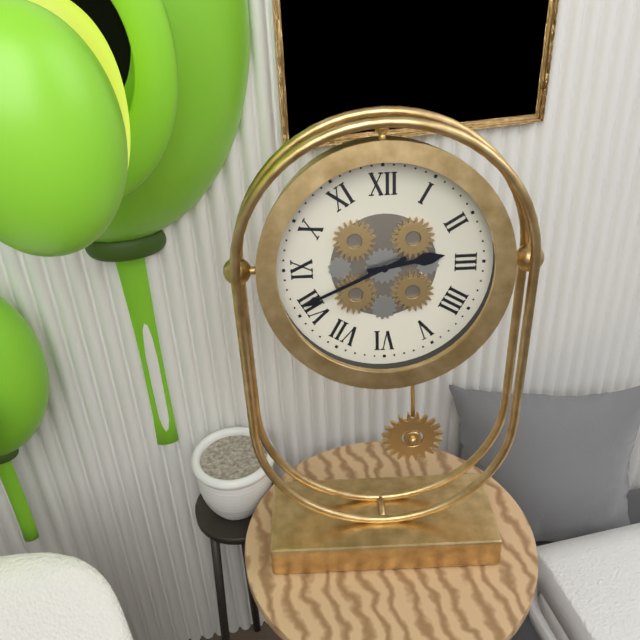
2:41
